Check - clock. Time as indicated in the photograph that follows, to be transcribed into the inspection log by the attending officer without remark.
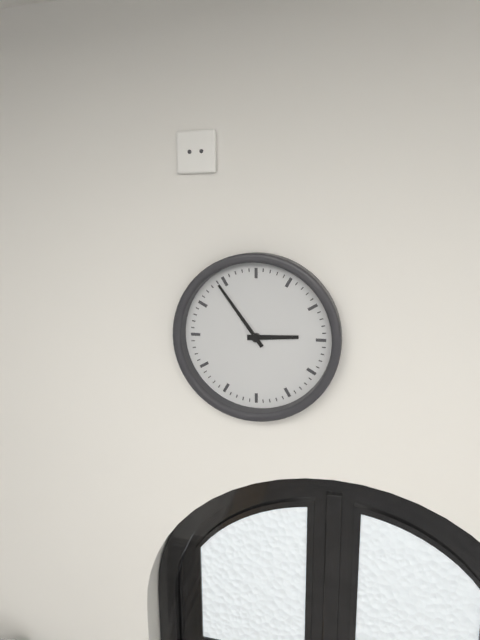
2:54
